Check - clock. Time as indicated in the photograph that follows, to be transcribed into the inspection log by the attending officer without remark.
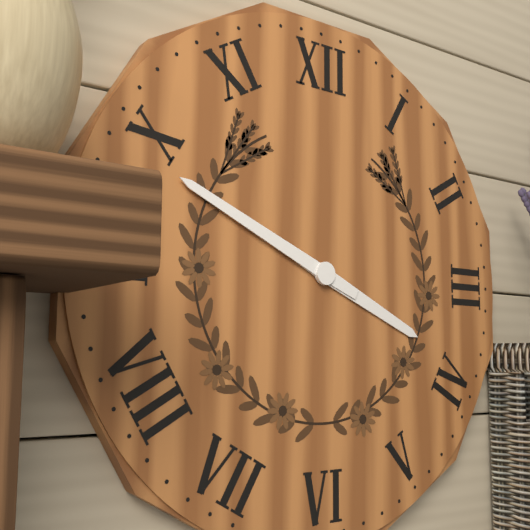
3:49
